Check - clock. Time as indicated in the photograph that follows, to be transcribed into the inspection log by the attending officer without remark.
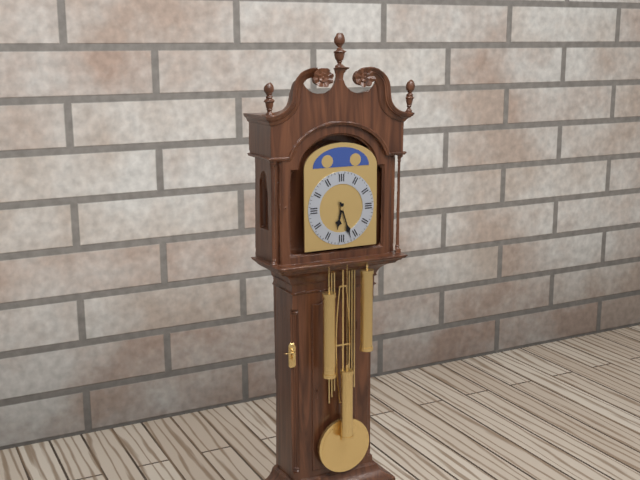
6:27
